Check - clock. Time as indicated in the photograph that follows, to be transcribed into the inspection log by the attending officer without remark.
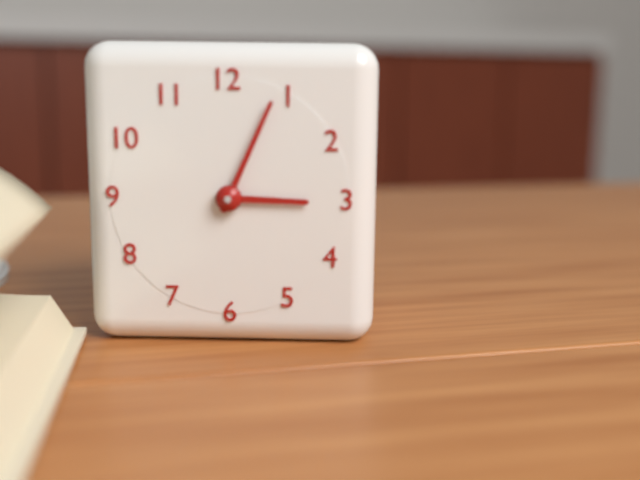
3:04
